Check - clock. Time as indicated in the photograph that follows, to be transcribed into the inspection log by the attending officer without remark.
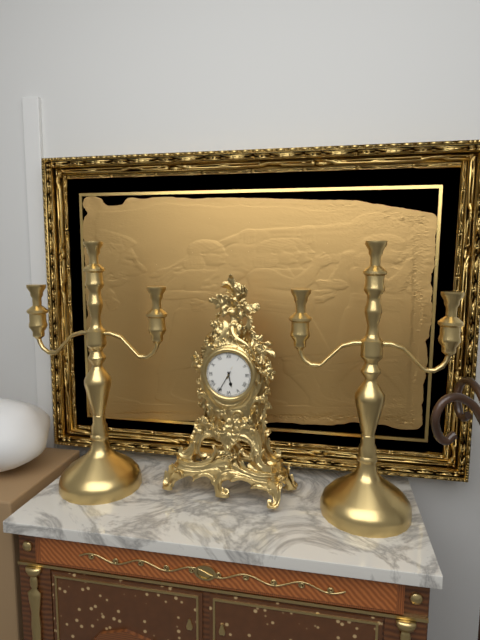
5:35
